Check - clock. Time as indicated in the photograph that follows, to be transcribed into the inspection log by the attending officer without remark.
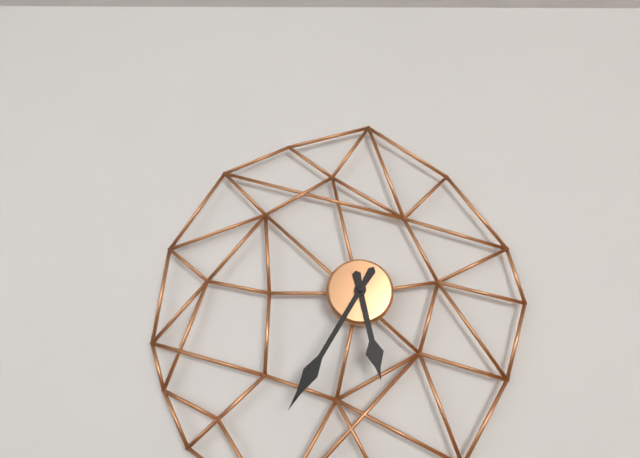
5:35
